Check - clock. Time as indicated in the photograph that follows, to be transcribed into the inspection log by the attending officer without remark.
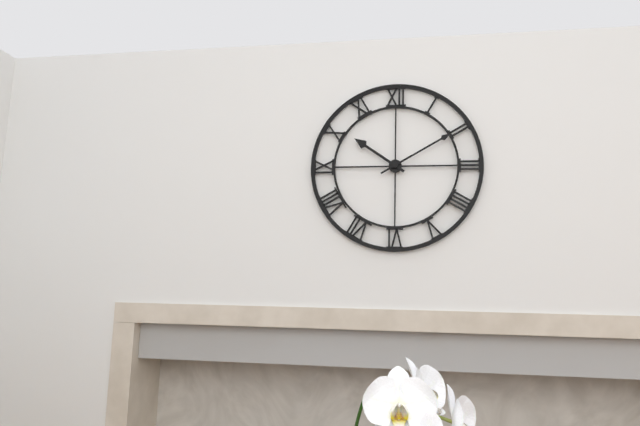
10:10
